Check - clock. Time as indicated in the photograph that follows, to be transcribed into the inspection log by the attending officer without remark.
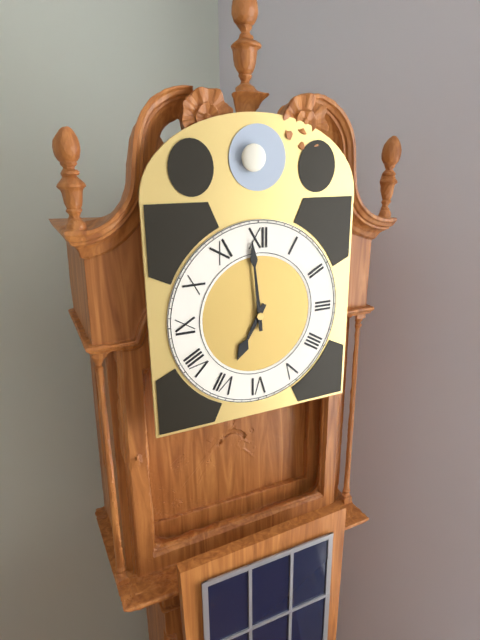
6:59
